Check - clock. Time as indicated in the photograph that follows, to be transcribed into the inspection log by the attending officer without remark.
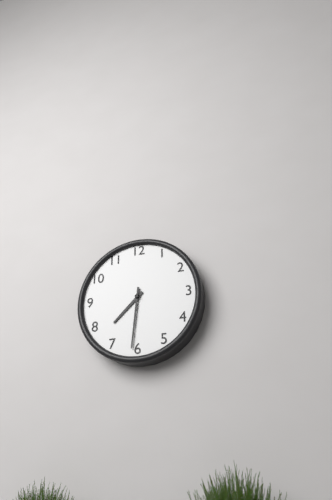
7:31
